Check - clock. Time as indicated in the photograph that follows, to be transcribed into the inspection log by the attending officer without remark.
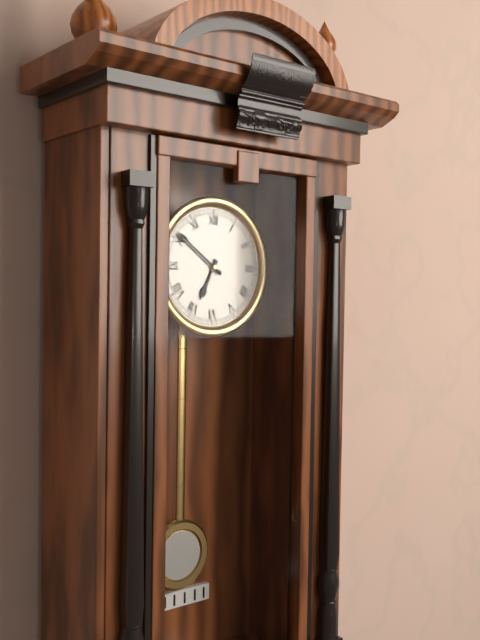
6:51
